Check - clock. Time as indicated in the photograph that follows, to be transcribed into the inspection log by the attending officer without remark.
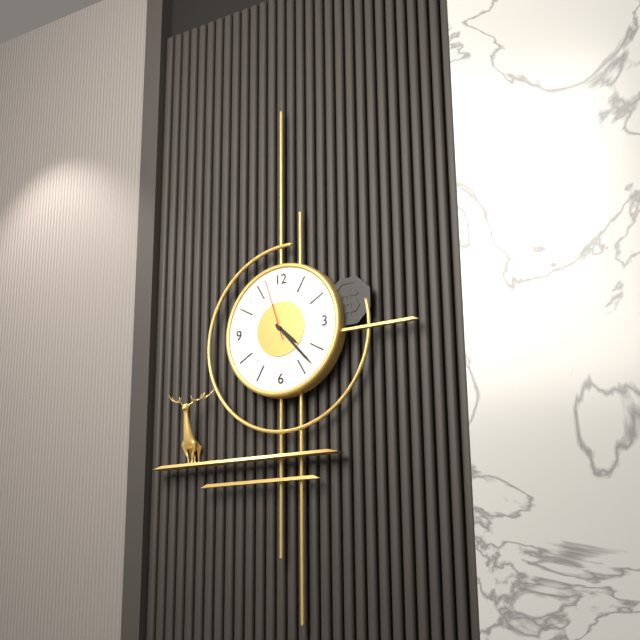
4:23:57
